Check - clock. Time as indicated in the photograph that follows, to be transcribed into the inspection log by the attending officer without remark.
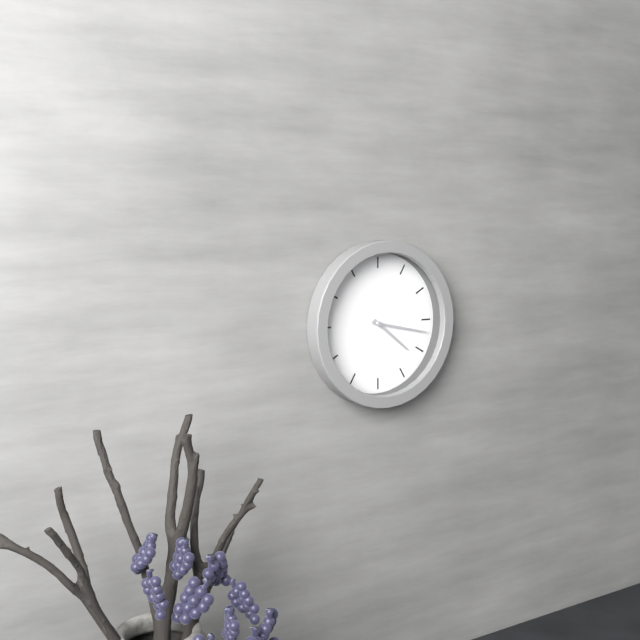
4:17
